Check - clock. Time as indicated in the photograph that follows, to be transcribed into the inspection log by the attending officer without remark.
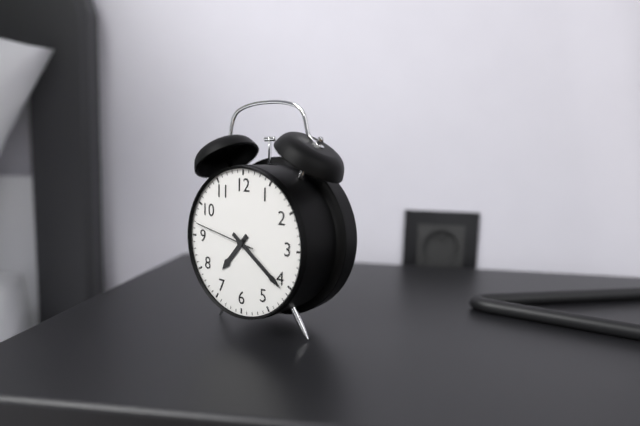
7:21:47
